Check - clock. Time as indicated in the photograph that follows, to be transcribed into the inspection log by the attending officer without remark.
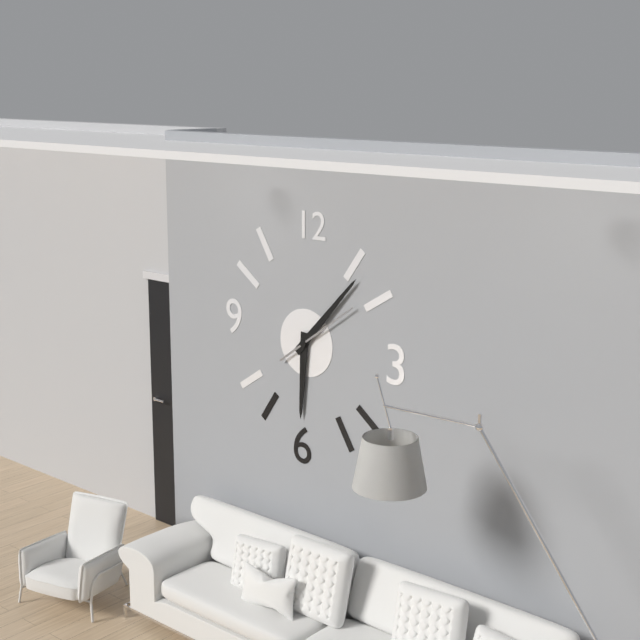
6:07:09
